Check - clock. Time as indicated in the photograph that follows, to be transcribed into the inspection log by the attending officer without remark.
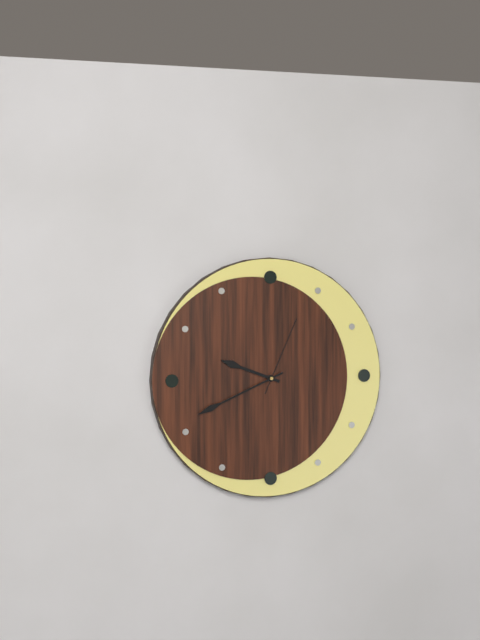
9:41:04
